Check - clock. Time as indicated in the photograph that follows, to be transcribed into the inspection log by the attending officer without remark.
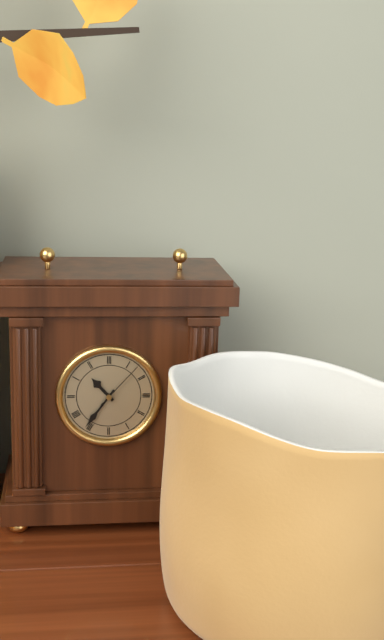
10:36:07
